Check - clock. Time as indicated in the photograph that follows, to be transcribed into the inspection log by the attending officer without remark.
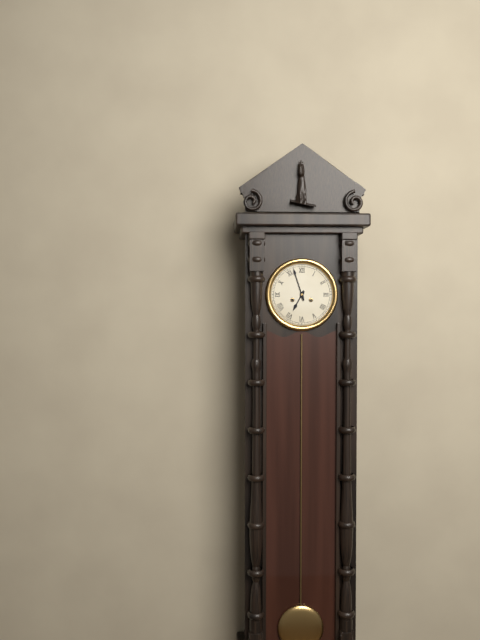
6:57
